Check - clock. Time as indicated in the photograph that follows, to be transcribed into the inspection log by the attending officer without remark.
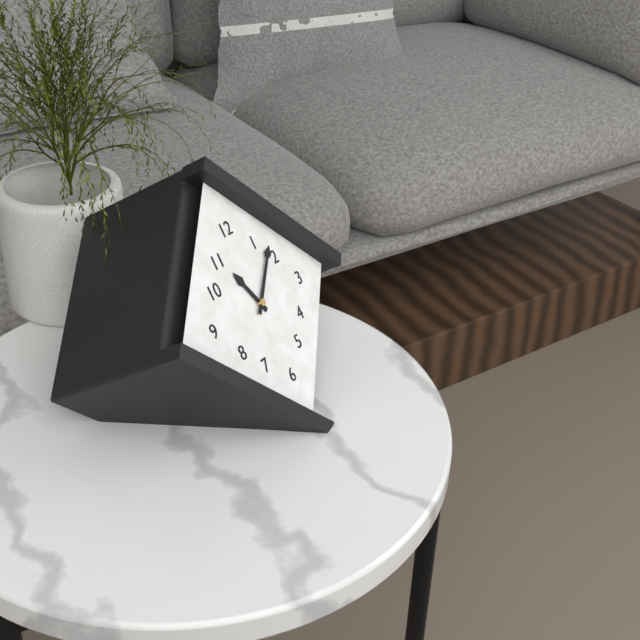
11:08
